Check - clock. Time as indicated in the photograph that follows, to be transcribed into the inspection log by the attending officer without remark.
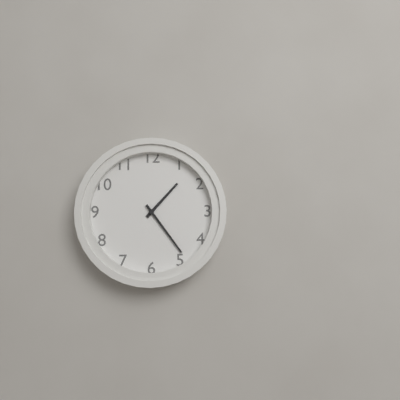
1:24
